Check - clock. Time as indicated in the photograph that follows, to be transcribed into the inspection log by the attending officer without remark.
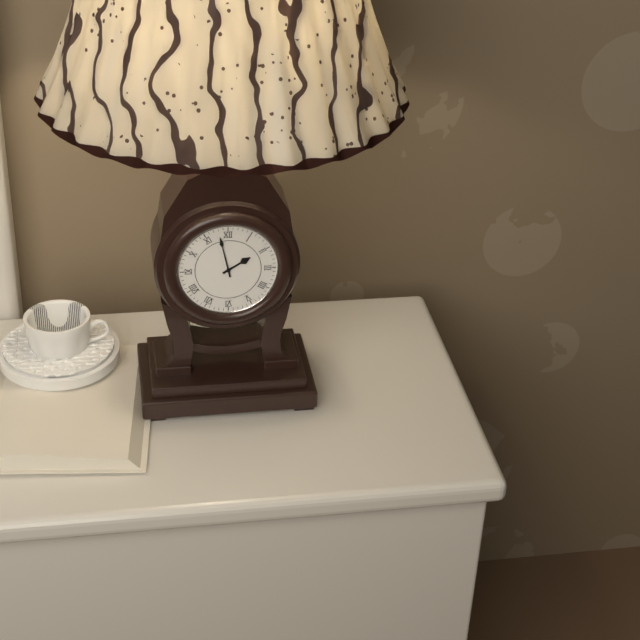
1:58
